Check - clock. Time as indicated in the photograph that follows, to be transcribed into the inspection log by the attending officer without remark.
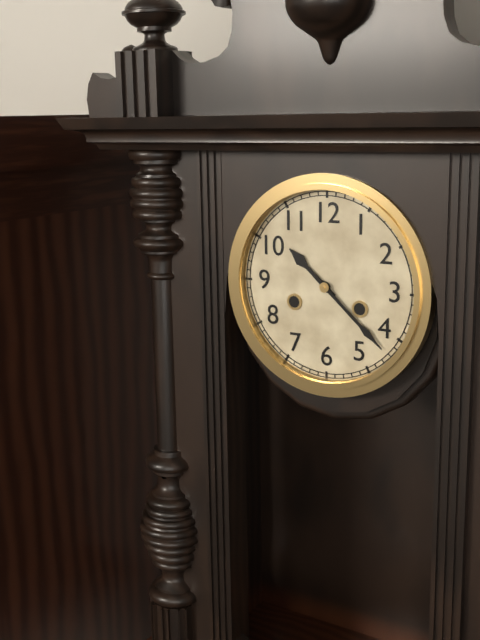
10:22
